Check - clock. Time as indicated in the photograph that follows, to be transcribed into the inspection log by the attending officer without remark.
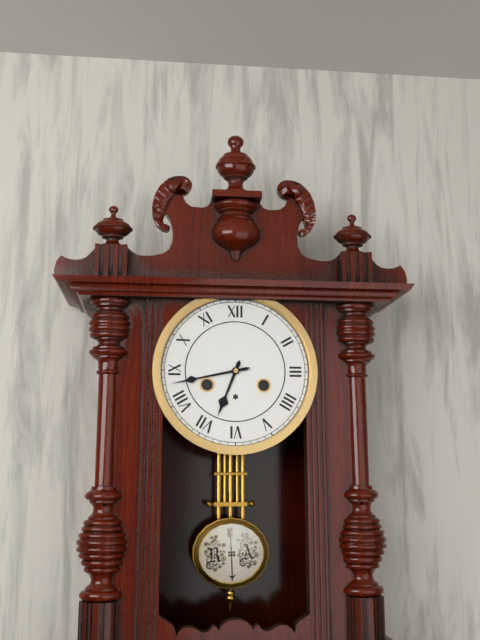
6:43
